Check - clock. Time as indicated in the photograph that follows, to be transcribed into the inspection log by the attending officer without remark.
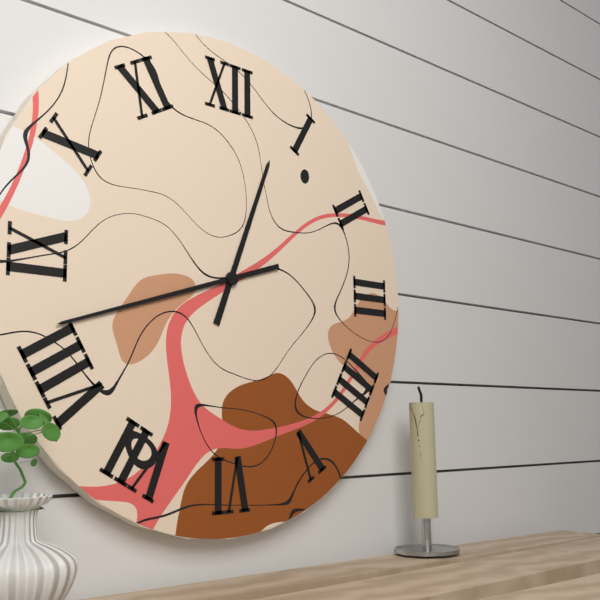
12:42
